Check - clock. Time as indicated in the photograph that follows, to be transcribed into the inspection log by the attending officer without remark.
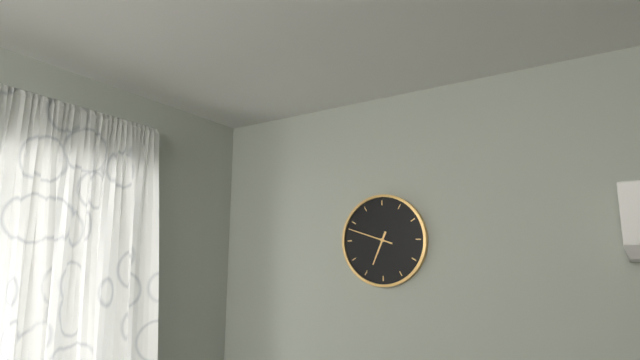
6:48
